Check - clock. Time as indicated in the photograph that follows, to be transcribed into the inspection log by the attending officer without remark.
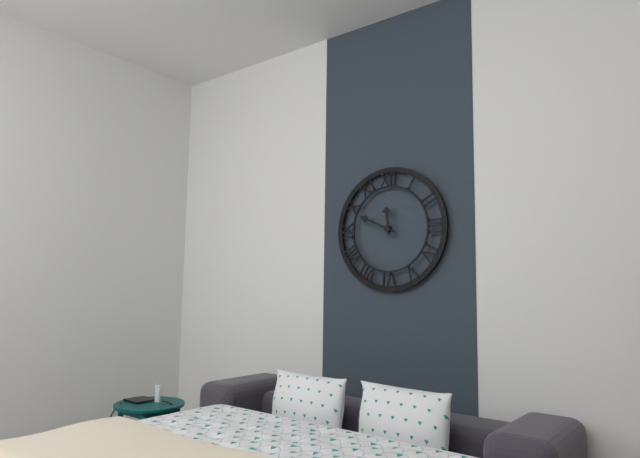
11:49
